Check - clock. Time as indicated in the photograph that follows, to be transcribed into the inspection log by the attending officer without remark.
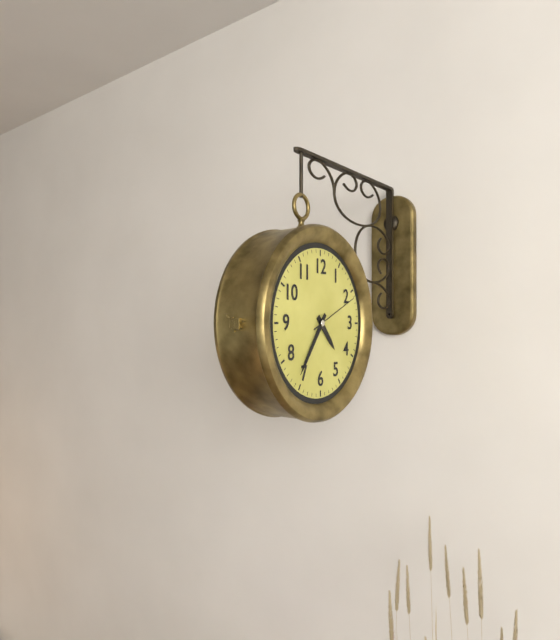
4:36:11
